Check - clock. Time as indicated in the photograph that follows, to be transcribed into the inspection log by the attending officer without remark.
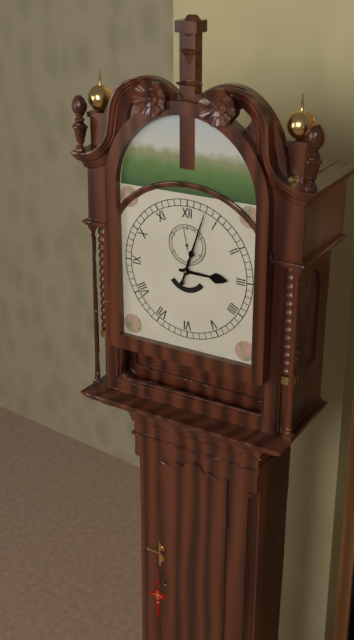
3:03
